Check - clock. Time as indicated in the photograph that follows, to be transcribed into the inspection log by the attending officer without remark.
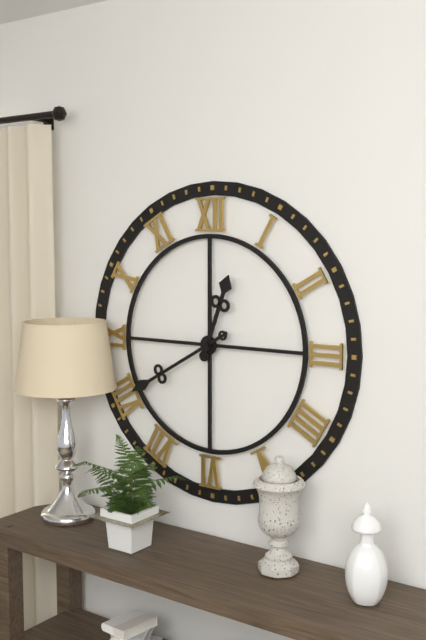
12:40
